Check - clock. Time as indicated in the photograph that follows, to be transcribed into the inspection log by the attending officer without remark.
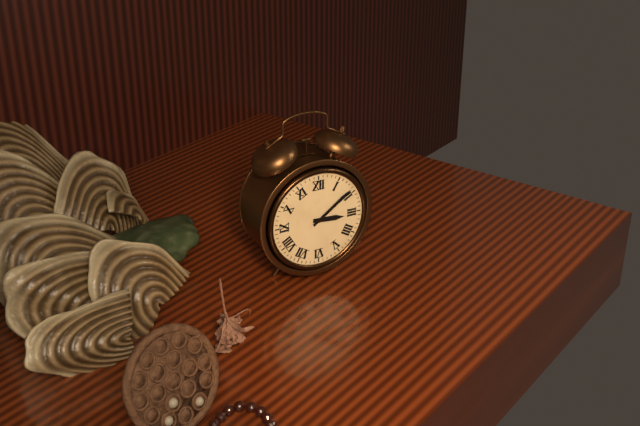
3:09
